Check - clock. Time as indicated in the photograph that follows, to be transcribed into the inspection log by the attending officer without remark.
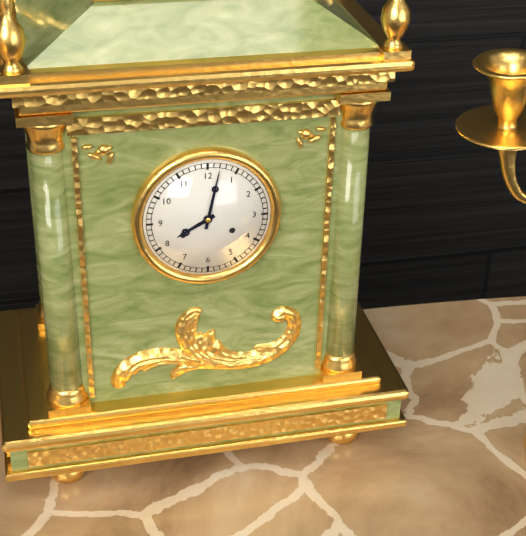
8:02
